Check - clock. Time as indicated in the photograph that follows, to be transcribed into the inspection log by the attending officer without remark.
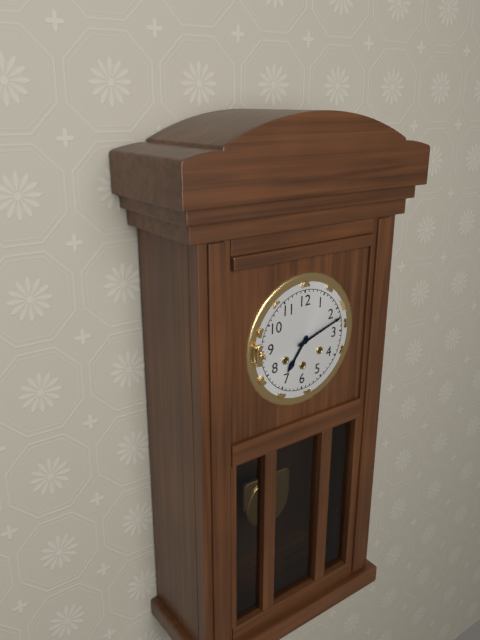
7:12
